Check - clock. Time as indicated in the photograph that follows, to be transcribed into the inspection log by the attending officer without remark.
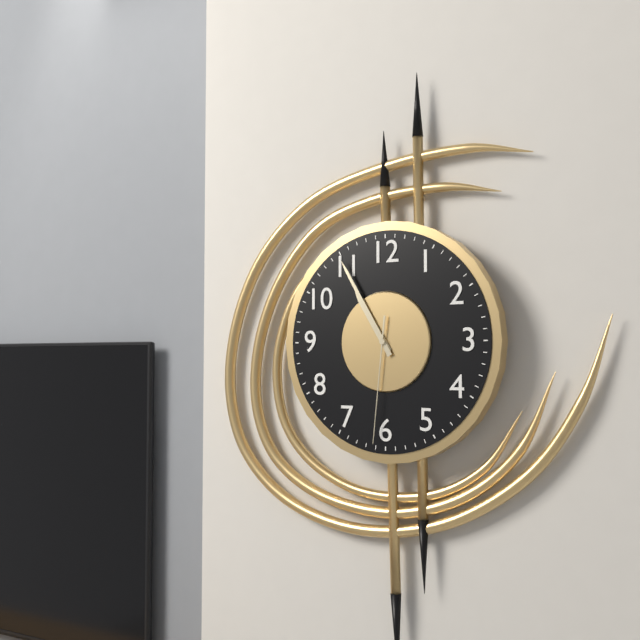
10:55:31
